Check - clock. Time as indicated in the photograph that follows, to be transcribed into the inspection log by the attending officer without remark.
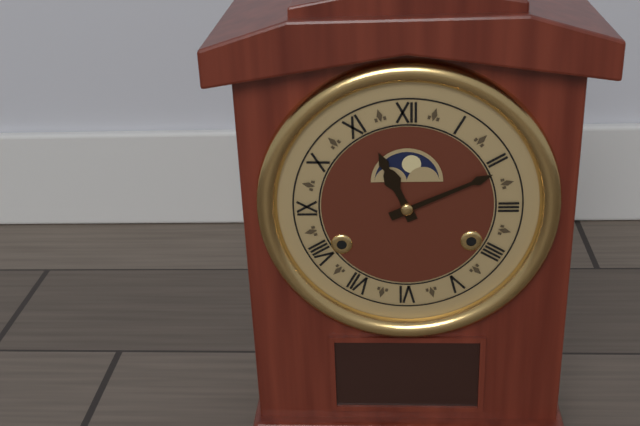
11:11
